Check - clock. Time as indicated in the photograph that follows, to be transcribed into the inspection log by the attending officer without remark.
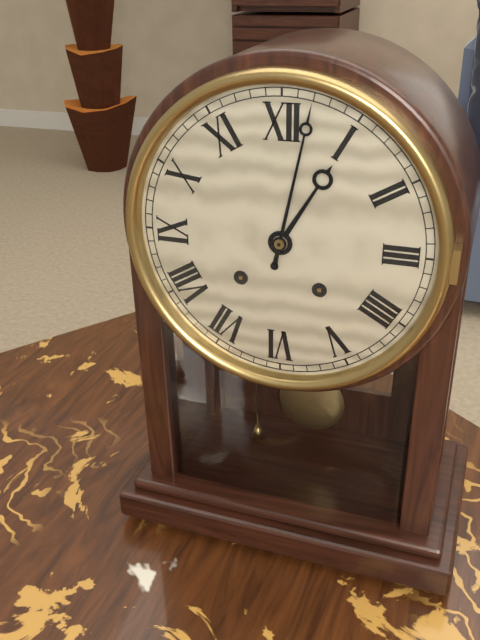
1:02
